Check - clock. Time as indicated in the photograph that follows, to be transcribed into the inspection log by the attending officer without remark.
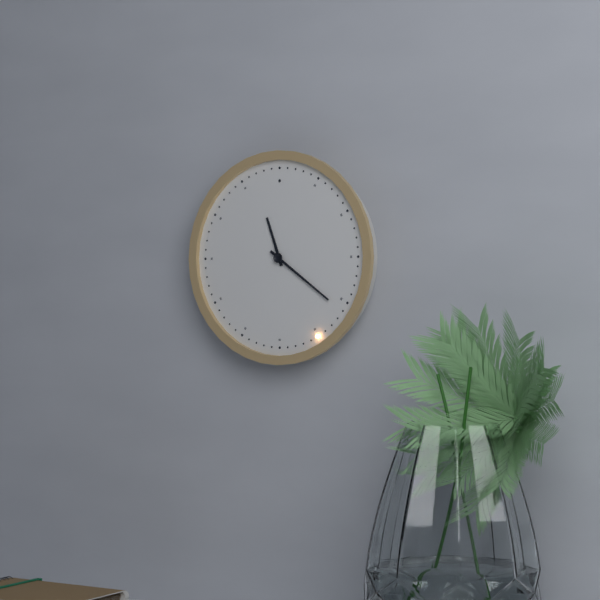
11:21
